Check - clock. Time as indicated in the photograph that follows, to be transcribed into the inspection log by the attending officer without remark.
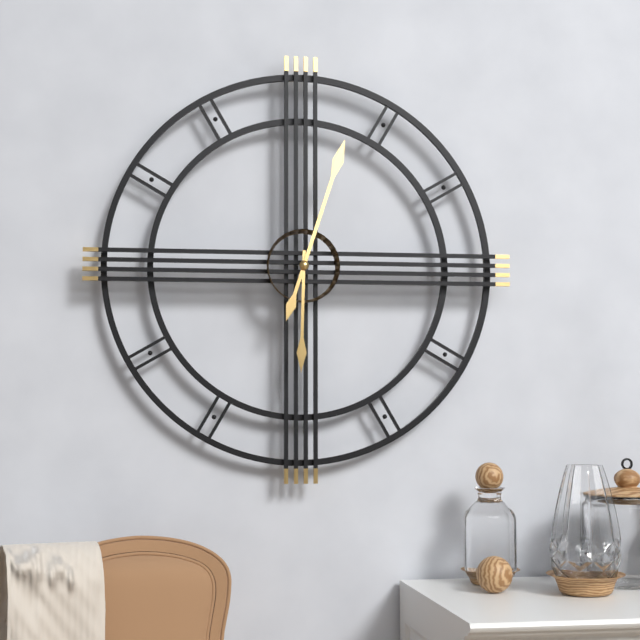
6:03
